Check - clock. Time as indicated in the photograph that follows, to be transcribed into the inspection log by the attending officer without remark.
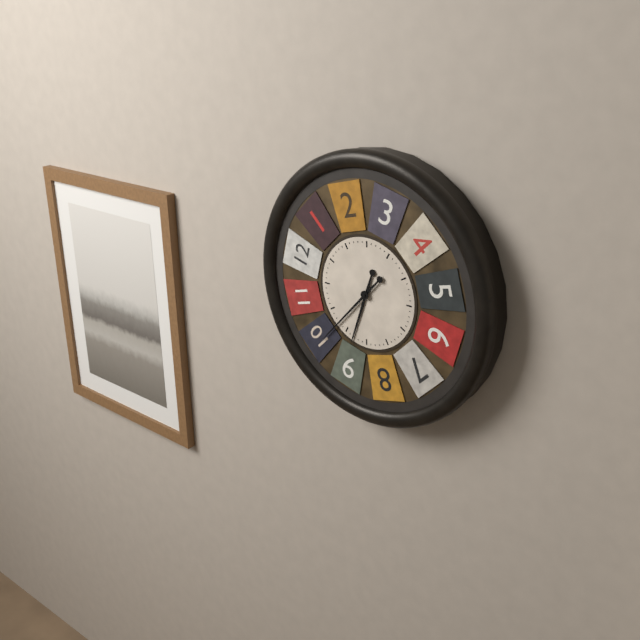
6:37
